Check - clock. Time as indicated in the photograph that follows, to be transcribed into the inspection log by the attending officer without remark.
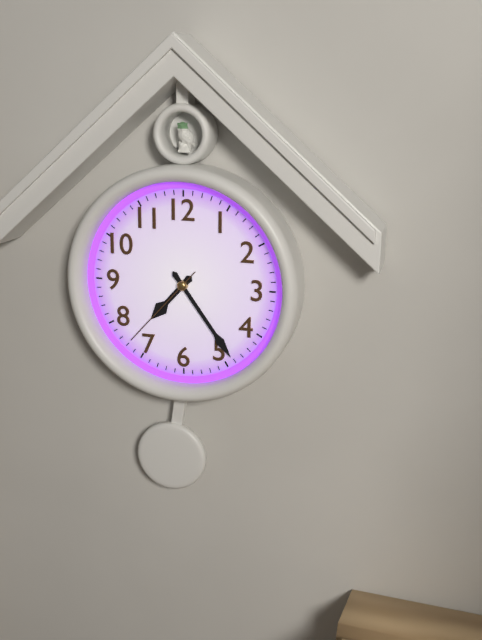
7:24:37
